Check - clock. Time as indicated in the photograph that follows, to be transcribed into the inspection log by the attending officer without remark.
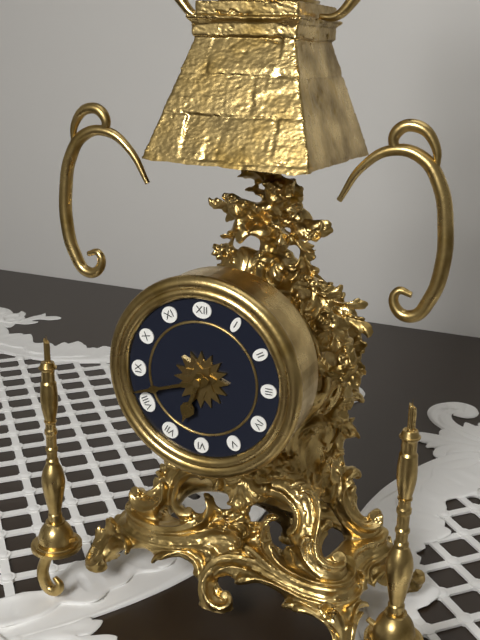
6:42
